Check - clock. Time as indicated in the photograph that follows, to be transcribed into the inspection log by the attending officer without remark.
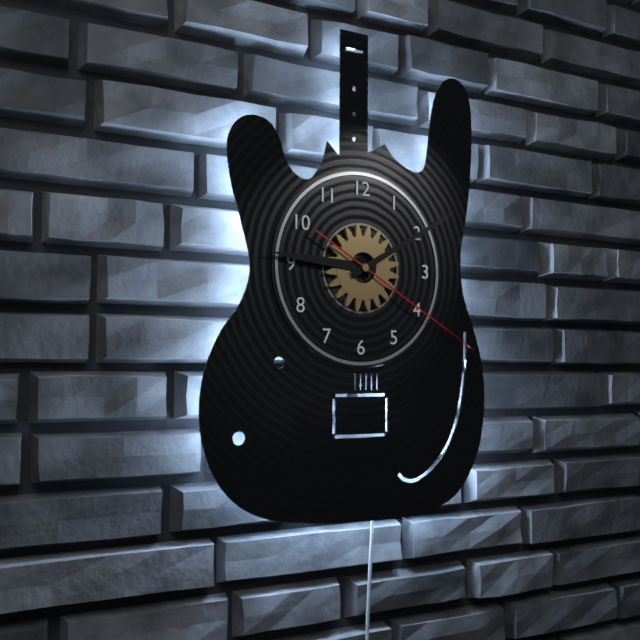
9:10:20
